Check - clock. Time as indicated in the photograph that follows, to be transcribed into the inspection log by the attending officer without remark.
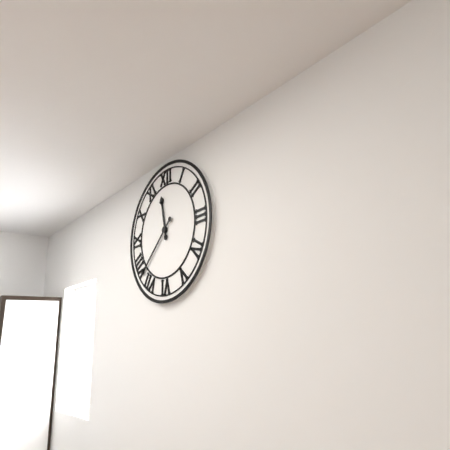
11:38
